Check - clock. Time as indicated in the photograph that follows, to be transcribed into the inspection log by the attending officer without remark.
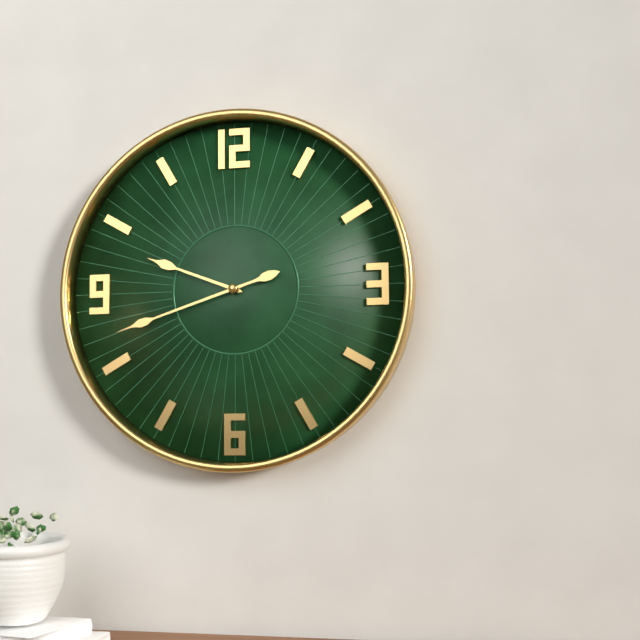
9:42
